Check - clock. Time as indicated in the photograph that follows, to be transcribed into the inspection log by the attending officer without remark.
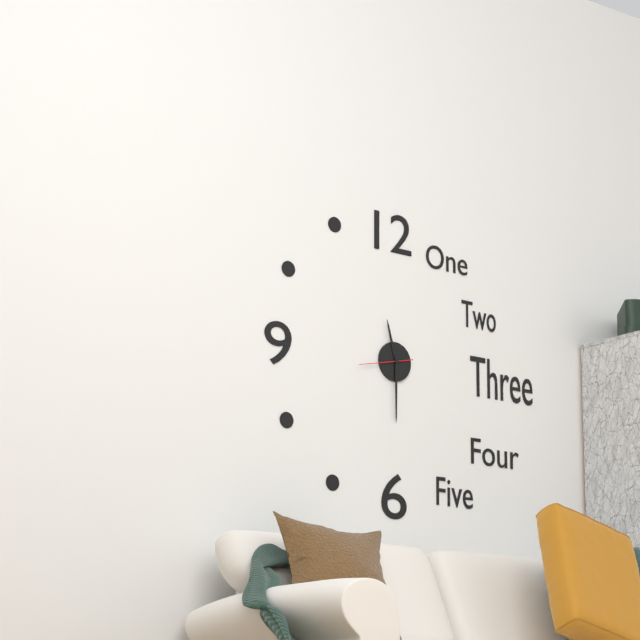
11:30
